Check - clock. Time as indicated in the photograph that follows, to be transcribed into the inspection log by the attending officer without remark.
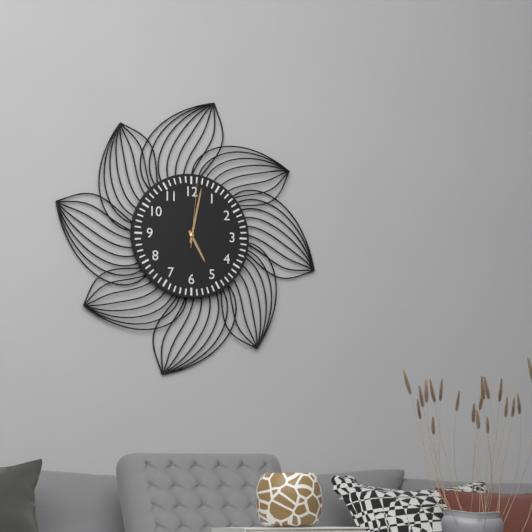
5:02:01
